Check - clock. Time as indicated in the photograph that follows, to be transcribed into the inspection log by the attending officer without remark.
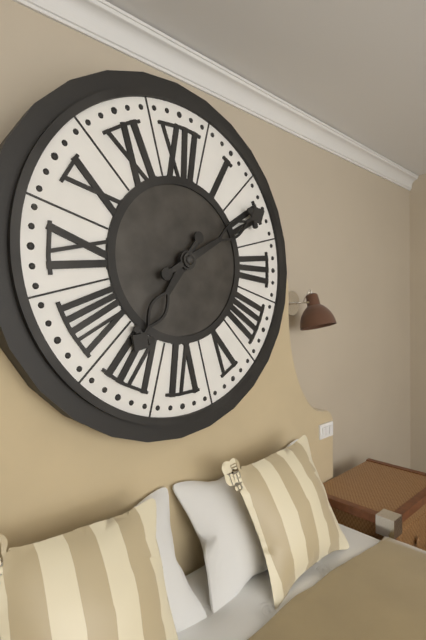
7:10
